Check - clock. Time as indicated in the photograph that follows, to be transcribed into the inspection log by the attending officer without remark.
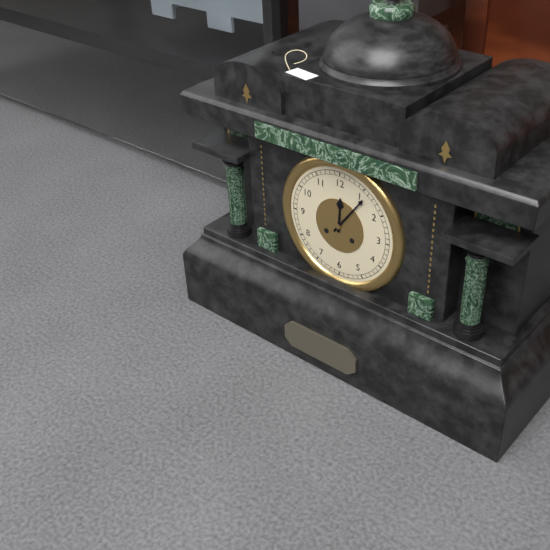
12:06
